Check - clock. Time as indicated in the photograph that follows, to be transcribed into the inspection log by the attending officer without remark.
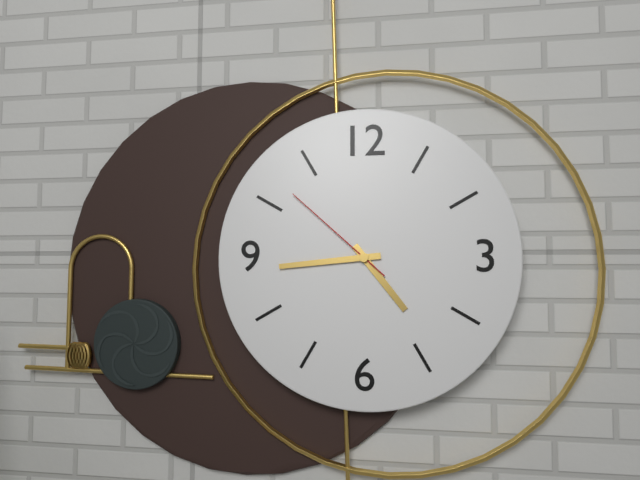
4:44:52
